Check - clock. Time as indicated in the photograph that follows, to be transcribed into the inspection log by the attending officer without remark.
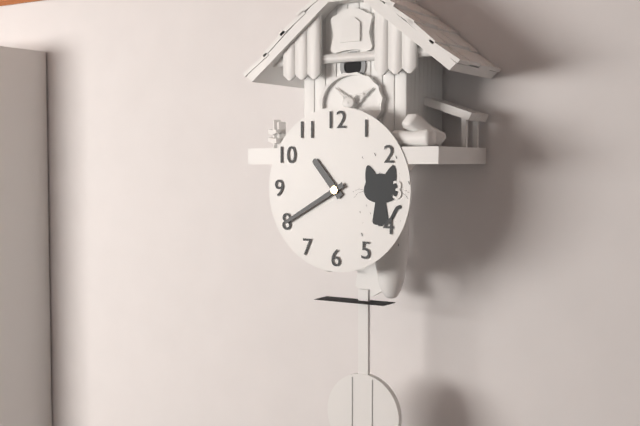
10:40
